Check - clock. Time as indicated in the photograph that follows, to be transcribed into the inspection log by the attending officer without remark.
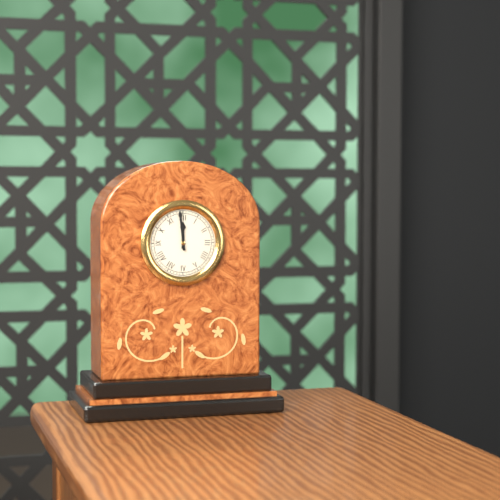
11:59
